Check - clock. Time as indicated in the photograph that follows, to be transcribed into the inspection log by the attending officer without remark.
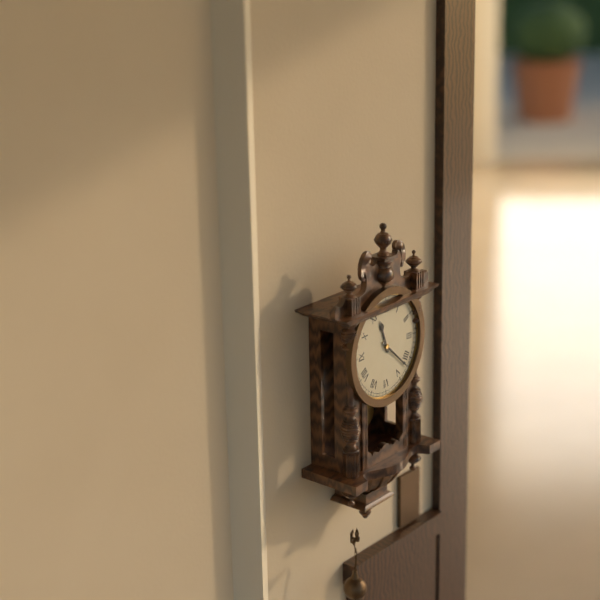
11:22
